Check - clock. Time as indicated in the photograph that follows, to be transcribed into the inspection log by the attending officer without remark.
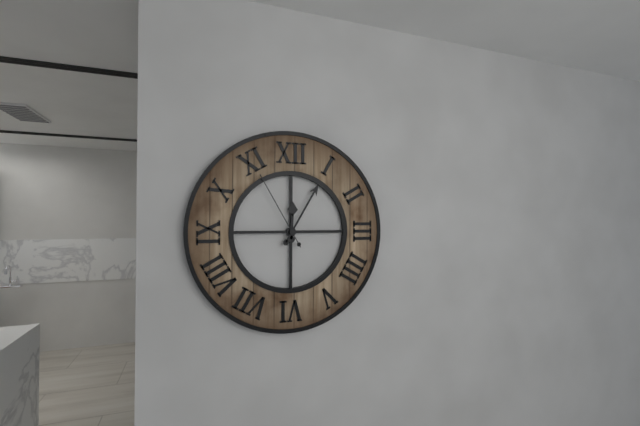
12:05:55
